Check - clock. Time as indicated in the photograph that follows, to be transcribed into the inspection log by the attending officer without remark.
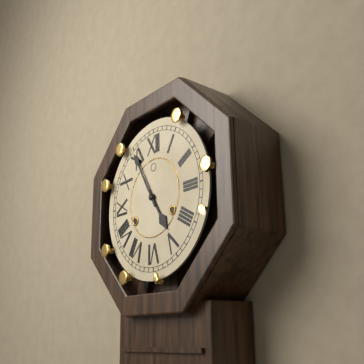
4:55
